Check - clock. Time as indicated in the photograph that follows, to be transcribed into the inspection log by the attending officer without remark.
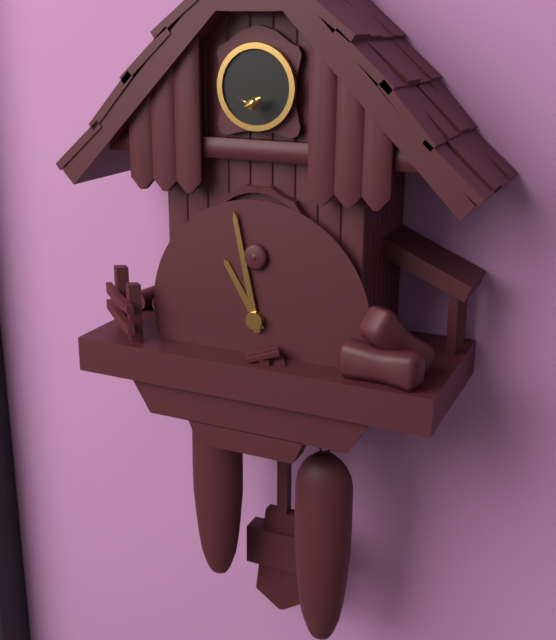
10:58
